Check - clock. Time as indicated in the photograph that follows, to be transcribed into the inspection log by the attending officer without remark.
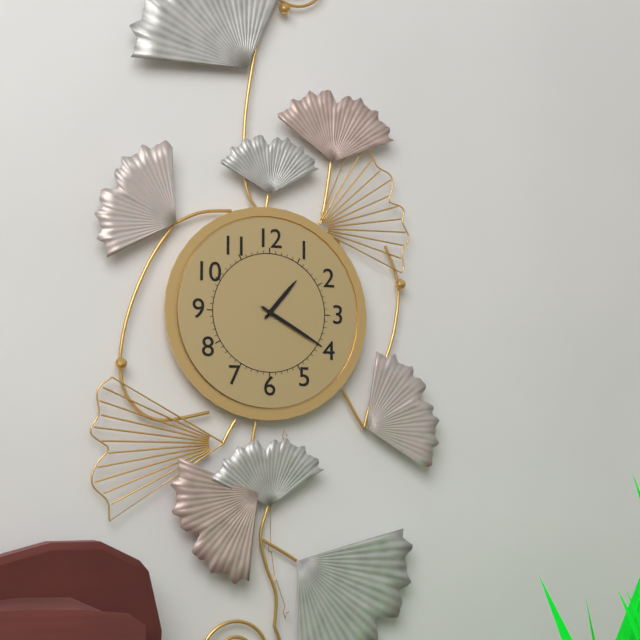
1:20
